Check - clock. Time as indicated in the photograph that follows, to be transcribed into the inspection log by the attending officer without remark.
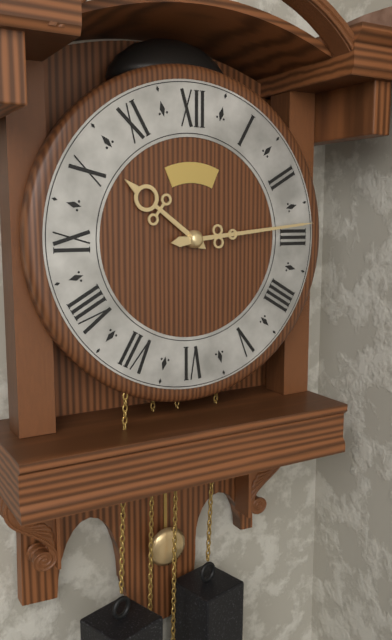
10:14
